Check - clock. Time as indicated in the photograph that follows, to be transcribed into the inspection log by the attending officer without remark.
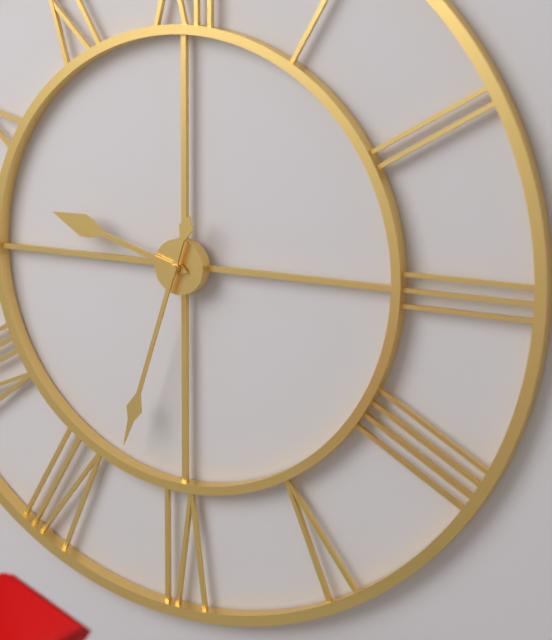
9:33
